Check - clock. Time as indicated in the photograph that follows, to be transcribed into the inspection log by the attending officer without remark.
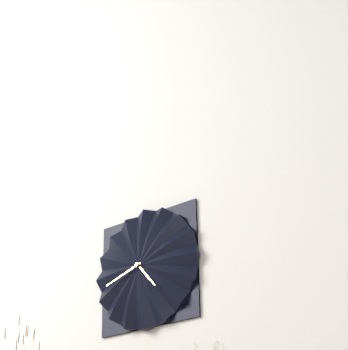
4:42
